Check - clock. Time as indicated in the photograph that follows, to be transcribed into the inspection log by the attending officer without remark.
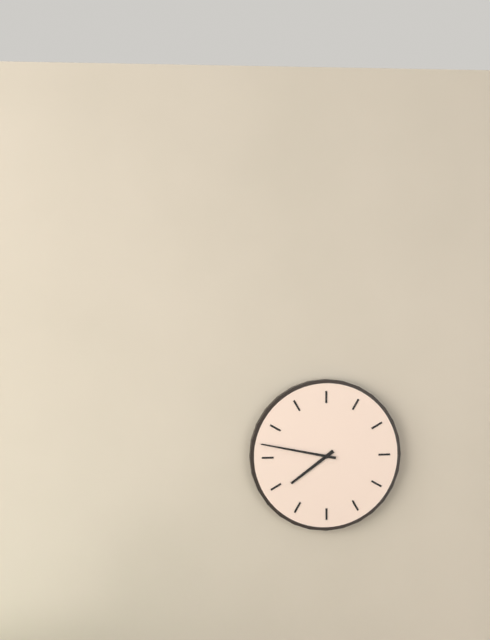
7:47
